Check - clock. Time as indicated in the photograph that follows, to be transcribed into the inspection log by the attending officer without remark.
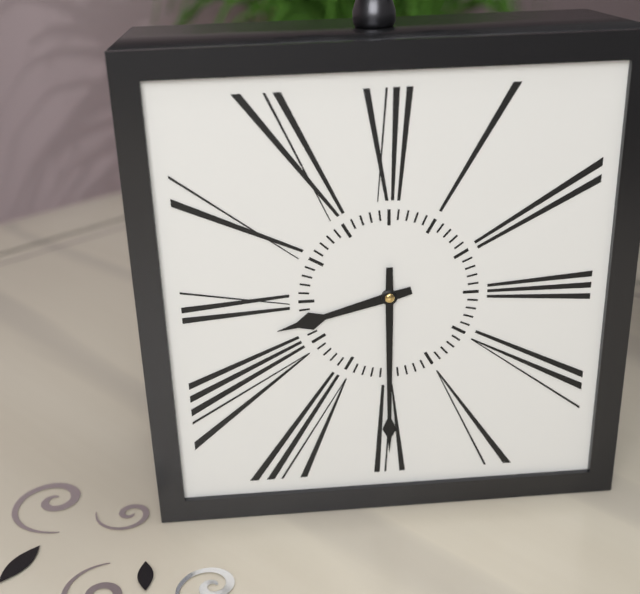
8:30
